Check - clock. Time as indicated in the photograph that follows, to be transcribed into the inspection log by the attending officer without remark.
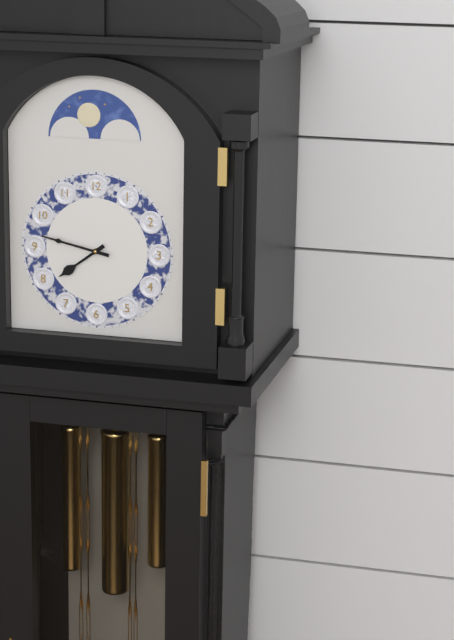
7:47
